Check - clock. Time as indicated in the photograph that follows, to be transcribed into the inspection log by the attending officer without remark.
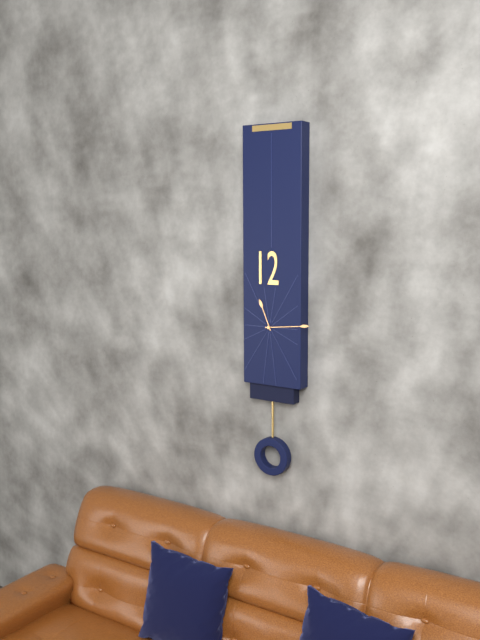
11:14
